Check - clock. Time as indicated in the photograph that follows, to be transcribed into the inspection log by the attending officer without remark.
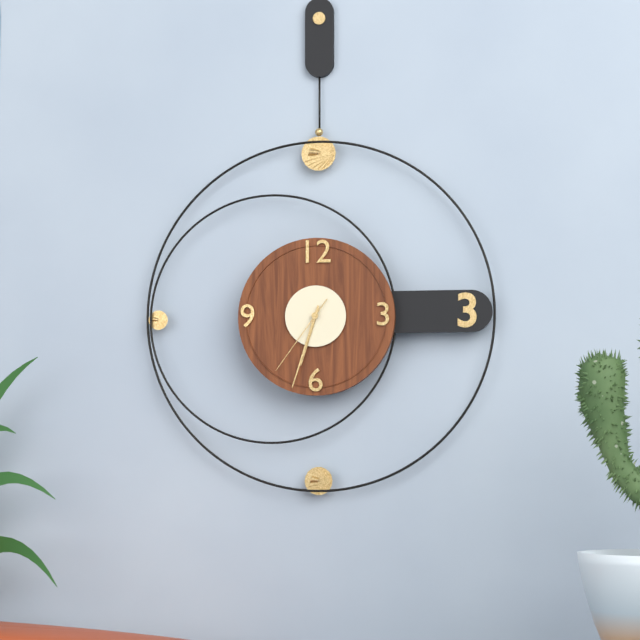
6:33:36
